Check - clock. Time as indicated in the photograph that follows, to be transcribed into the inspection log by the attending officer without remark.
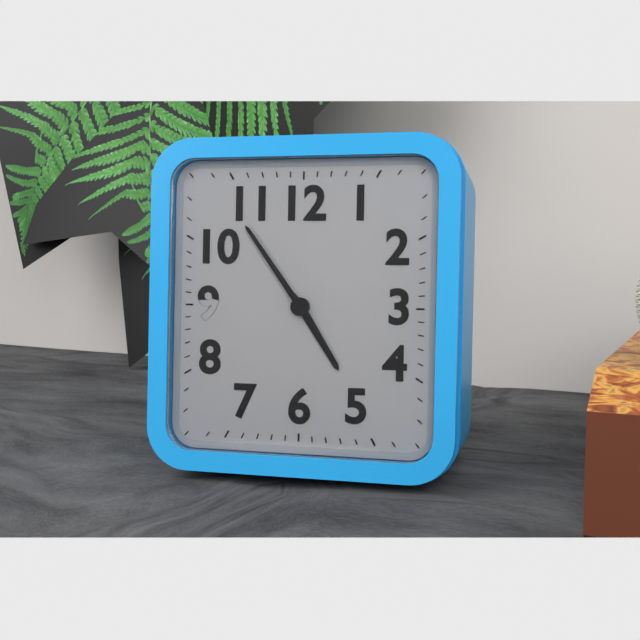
4:54
